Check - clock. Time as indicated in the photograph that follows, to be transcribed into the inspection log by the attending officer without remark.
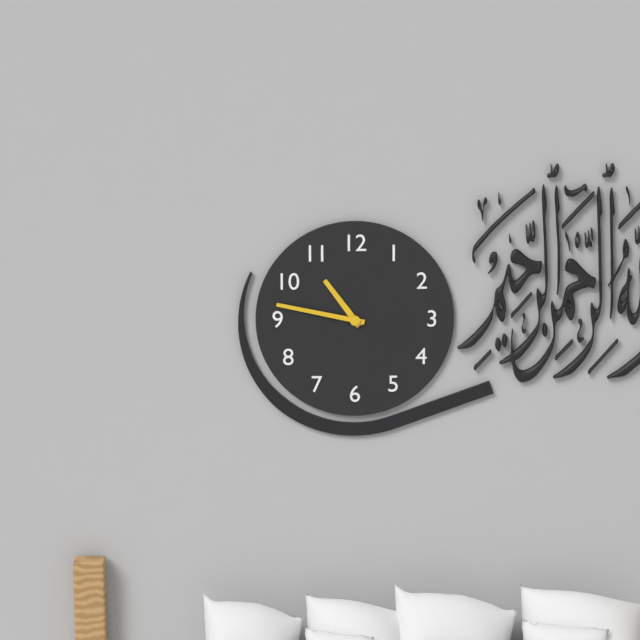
10:47
